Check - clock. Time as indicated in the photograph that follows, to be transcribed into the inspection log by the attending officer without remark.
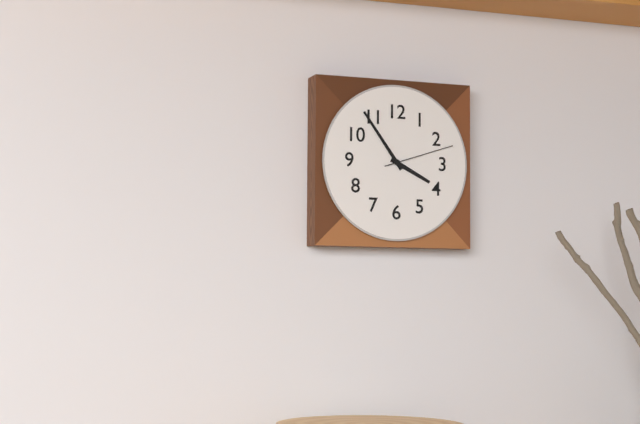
3:54:12
